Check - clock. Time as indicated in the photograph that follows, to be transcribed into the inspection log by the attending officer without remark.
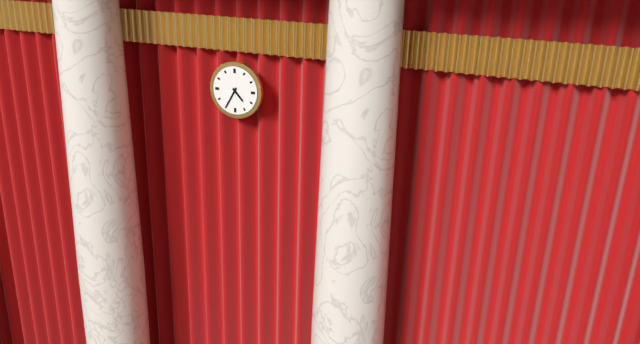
4:35
